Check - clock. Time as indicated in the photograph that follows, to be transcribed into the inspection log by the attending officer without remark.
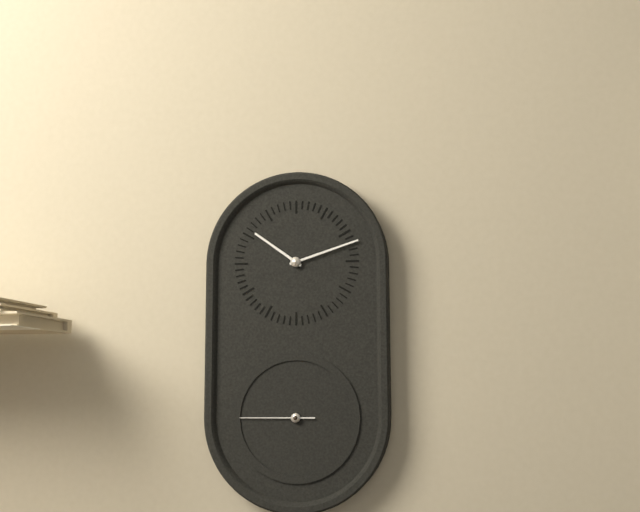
10:12:45
